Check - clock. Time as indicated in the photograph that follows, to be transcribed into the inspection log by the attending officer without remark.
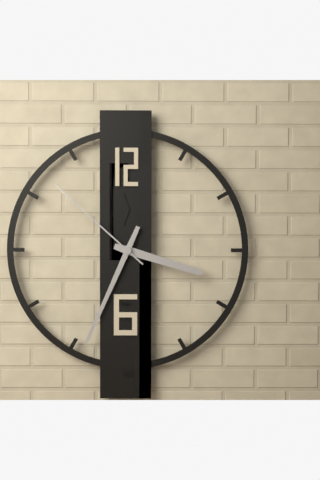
3:34:52
